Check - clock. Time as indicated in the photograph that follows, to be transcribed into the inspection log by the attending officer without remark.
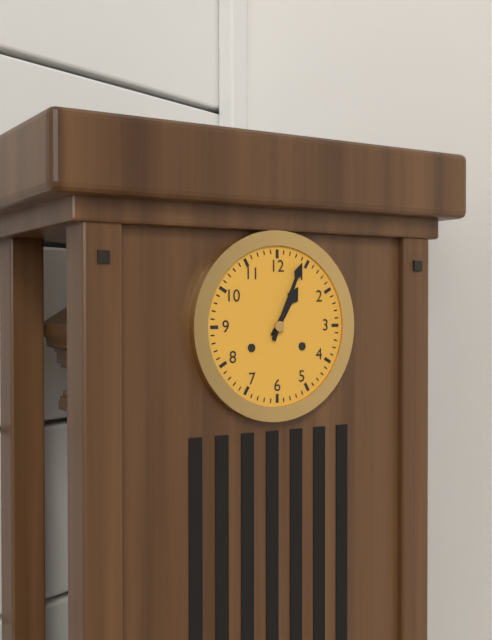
1:04
